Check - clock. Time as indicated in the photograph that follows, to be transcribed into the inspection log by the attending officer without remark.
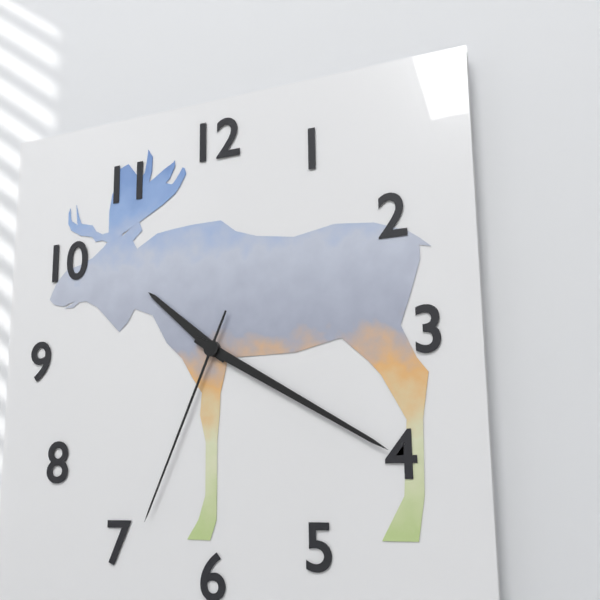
10:20:34
